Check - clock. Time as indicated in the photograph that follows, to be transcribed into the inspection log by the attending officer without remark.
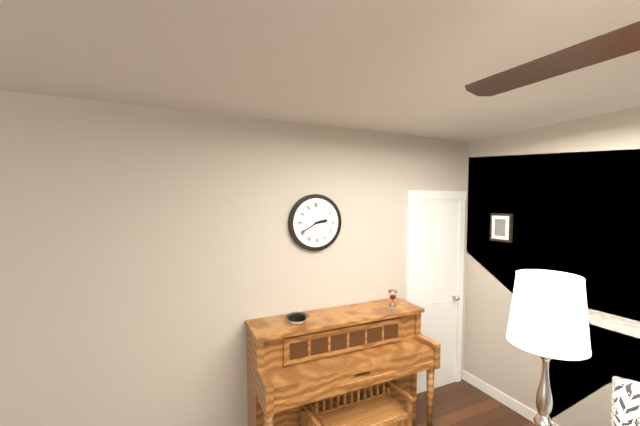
2:40
